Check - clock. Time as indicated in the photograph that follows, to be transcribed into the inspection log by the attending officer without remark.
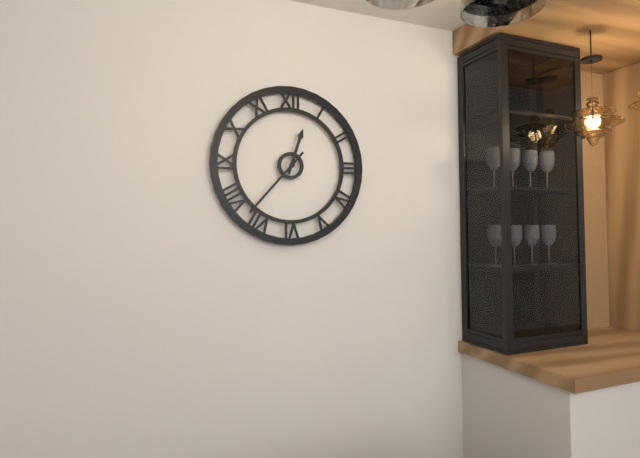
12:37
